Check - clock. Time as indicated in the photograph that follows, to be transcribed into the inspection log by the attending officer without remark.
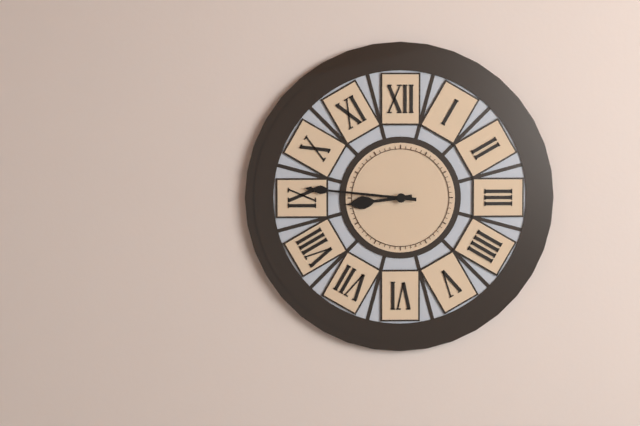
8:46
